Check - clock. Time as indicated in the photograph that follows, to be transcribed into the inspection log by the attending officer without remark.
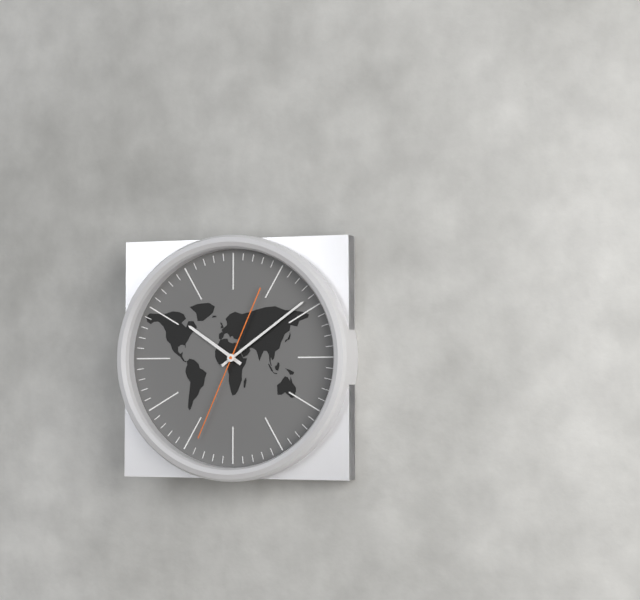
10:09:34
